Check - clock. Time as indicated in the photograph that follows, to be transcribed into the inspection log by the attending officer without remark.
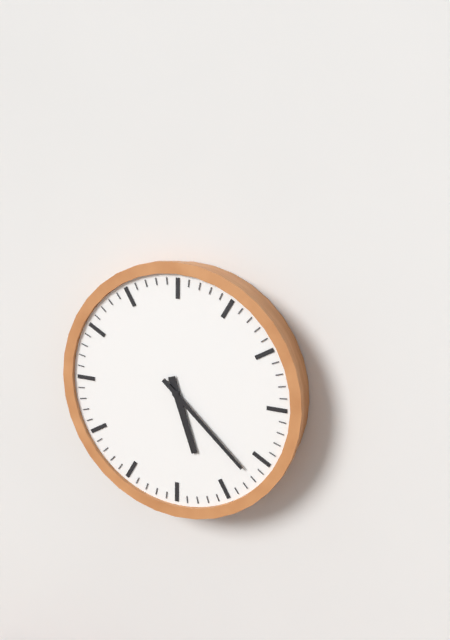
5:22
